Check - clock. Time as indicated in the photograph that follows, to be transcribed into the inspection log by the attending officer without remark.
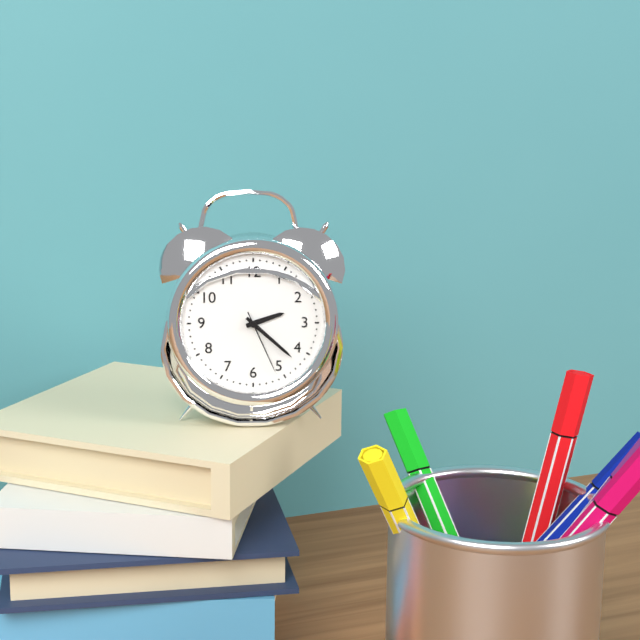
2:22:26
